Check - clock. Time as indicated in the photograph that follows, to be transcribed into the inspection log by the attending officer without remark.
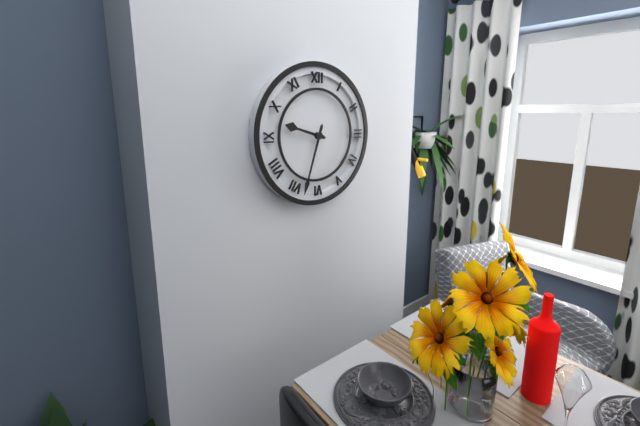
9:33
